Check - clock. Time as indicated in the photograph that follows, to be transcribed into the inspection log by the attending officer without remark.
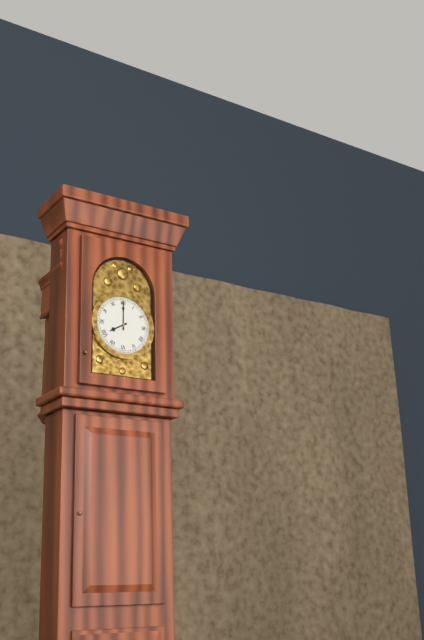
8:00
